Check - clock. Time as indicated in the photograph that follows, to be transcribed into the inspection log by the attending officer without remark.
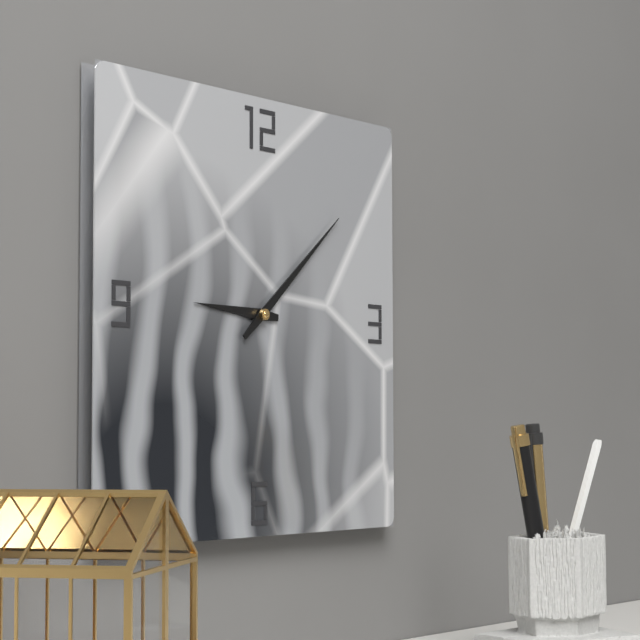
9:08
